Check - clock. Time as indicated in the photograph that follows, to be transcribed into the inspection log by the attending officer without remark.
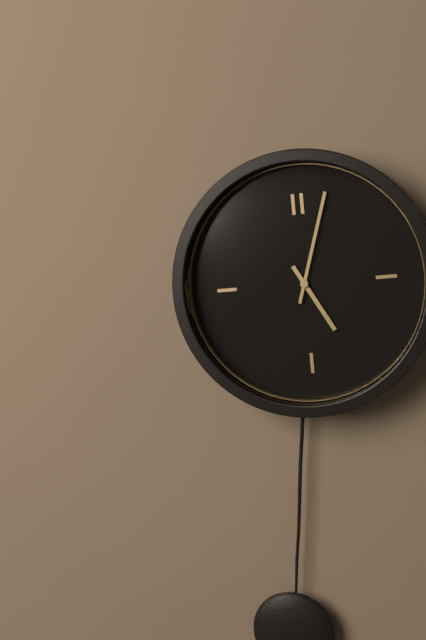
5:03
